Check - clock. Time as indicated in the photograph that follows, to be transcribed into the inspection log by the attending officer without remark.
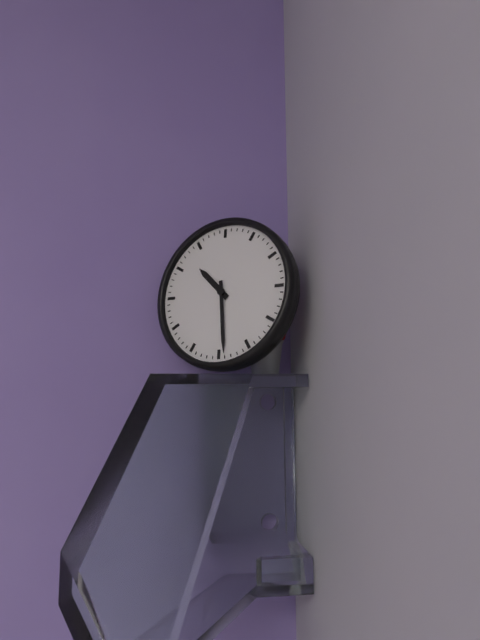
10:29
